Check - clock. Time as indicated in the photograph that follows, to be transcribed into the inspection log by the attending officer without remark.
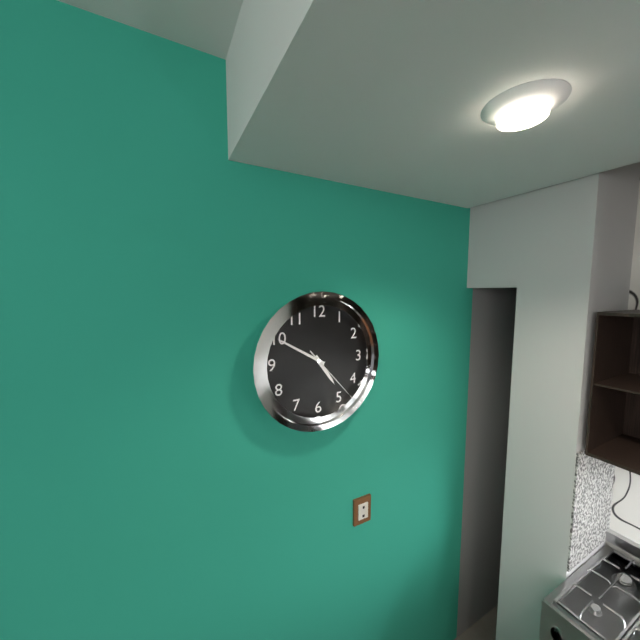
4:50:23
